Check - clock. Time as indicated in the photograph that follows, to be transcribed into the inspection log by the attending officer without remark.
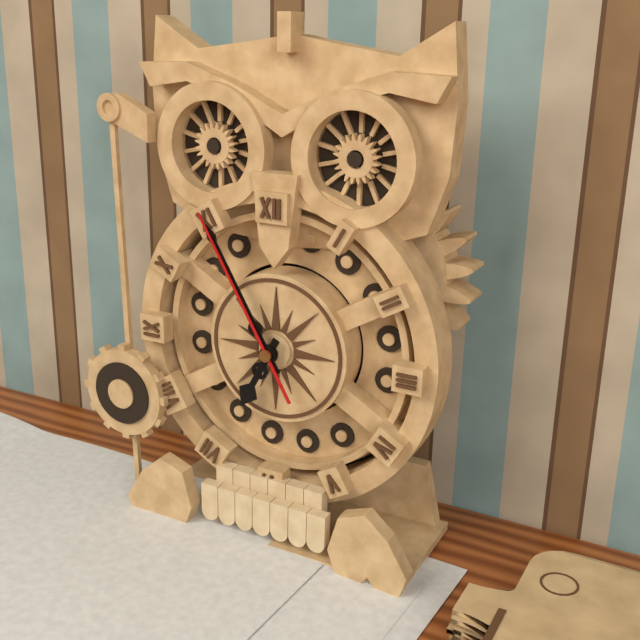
6:55:55
